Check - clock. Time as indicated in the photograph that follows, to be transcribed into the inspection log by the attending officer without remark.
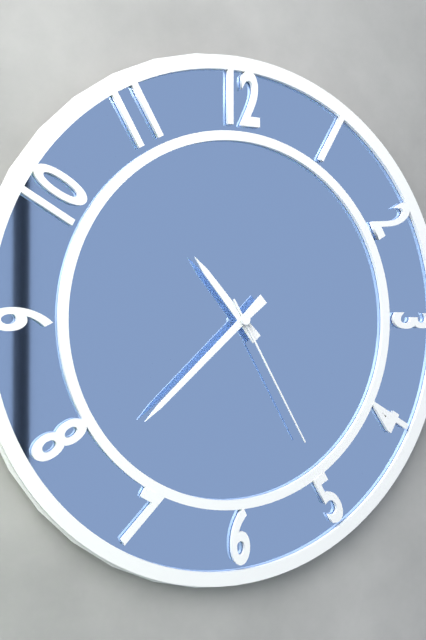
10:38:25
